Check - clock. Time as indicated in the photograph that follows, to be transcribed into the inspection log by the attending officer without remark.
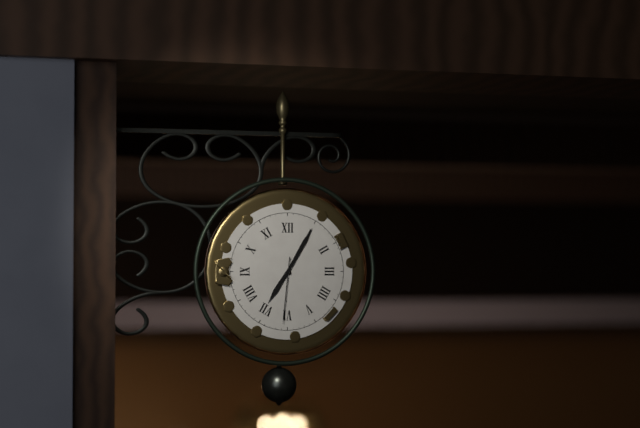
7:05:31
